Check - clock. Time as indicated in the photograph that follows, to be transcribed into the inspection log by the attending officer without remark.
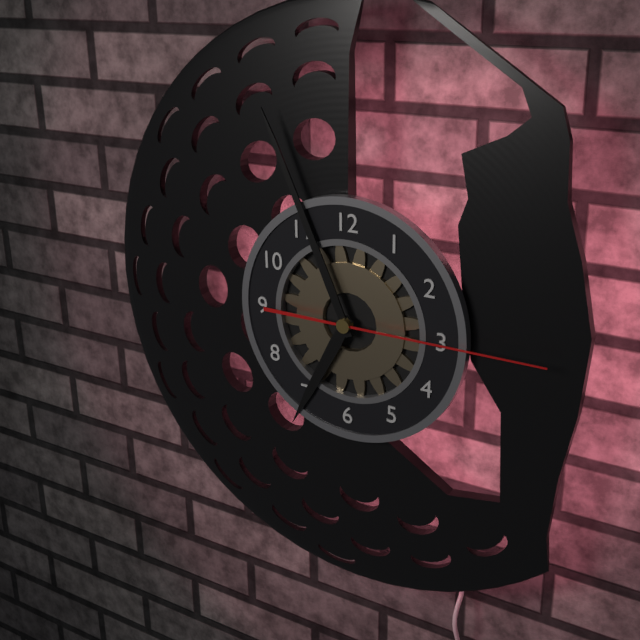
6:56:15
